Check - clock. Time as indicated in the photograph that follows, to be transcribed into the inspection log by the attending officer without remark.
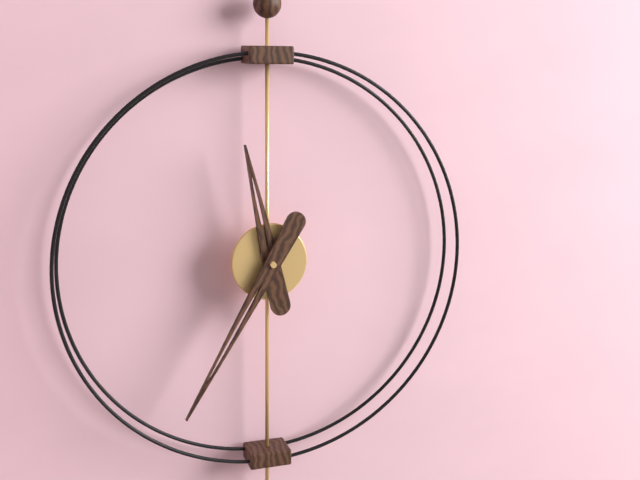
11:35
